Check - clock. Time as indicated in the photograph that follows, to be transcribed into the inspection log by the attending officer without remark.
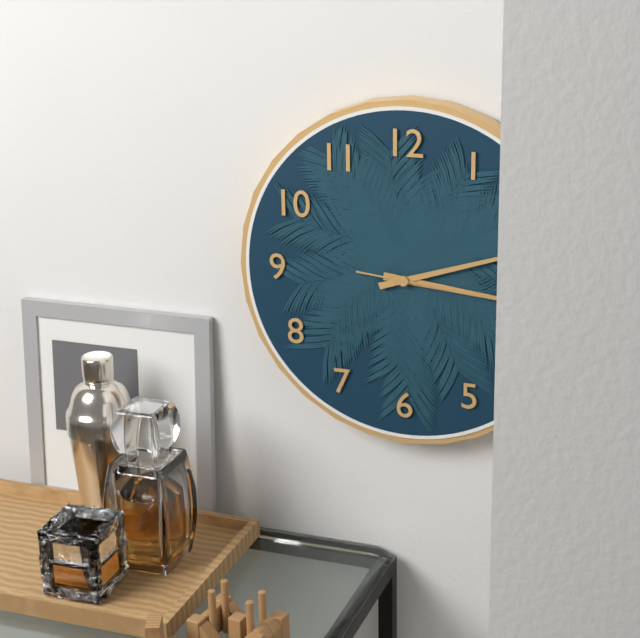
3:12:16
